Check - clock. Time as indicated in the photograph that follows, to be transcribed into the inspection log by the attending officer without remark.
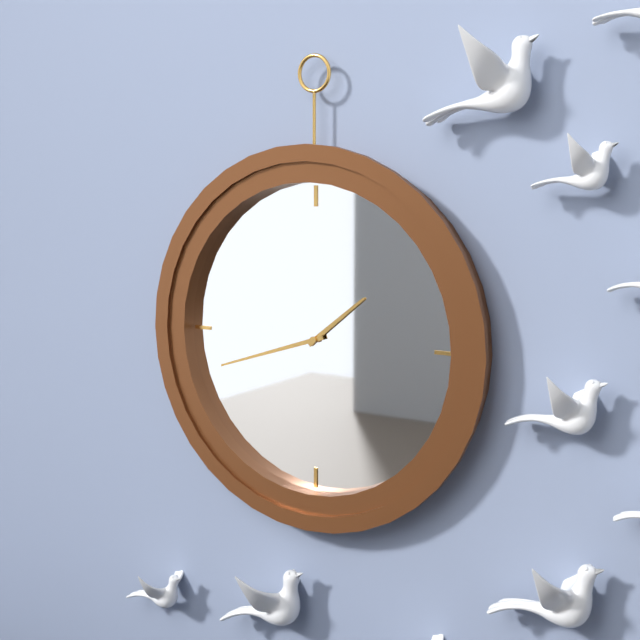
1:42
